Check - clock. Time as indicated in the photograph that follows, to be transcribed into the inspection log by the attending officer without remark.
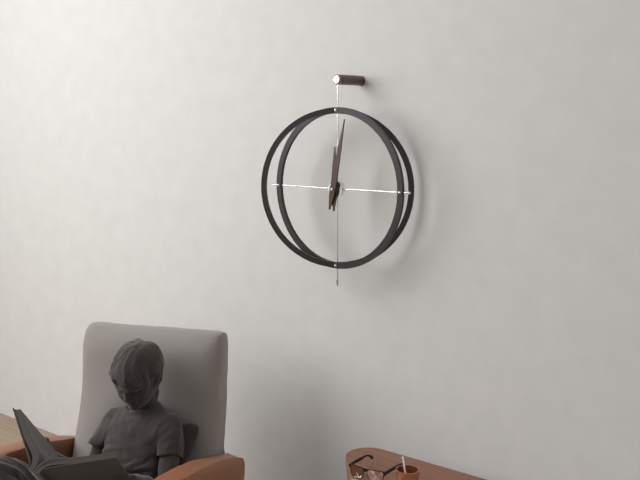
12:02
